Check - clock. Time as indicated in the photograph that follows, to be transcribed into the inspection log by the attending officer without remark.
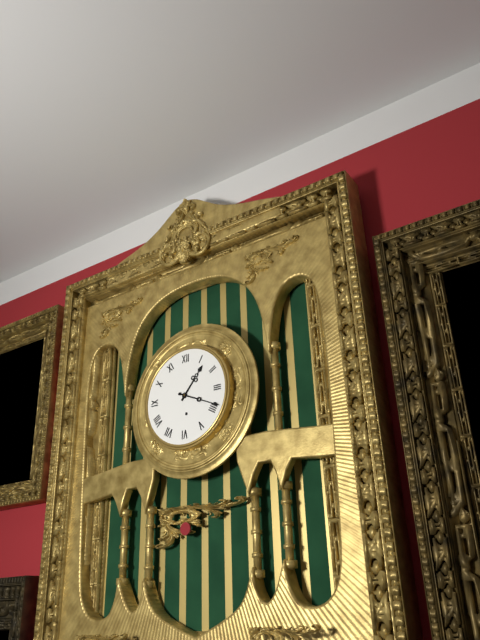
1:19
